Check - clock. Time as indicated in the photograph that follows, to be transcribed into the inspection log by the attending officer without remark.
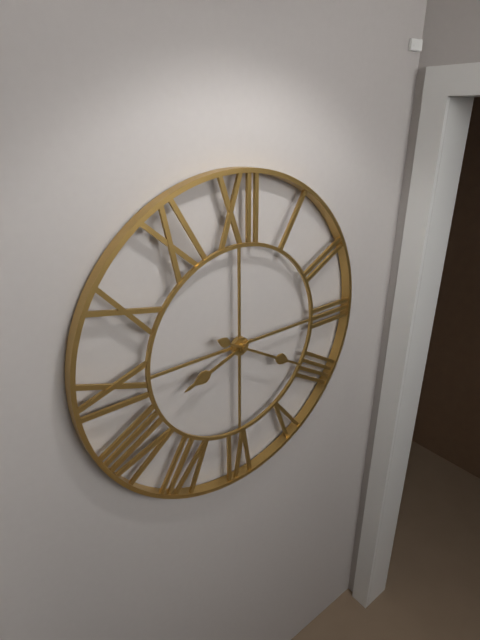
8:20
